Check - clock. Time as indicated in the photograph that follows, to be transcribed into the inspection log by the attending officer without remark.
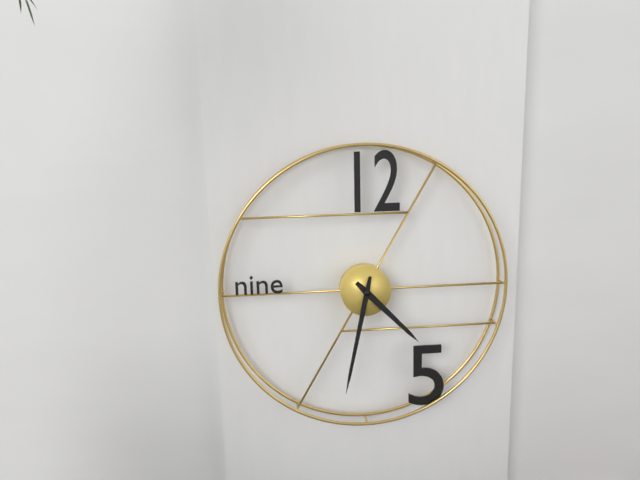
4:32
